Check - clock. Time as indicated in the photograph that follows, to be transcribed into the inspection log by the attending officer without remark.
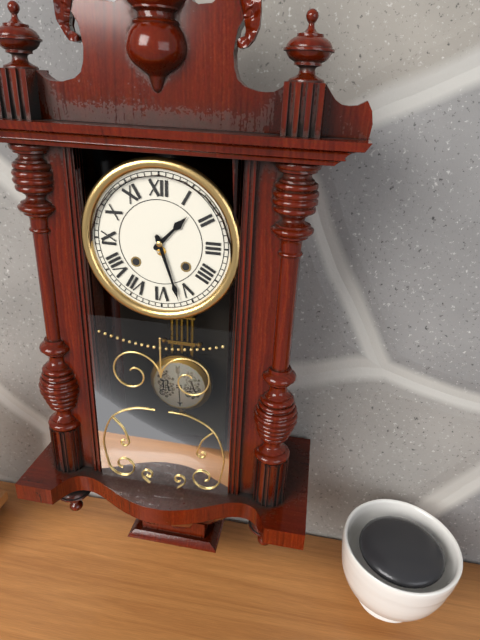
1:27
